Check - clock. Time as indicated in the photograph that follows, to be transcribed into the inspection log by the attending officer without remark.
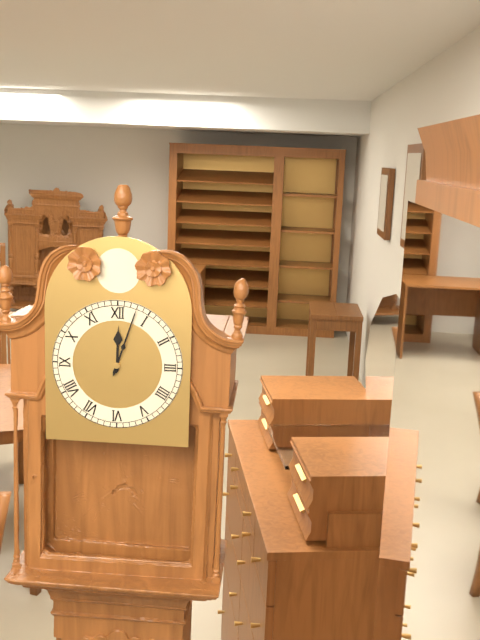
12:03
